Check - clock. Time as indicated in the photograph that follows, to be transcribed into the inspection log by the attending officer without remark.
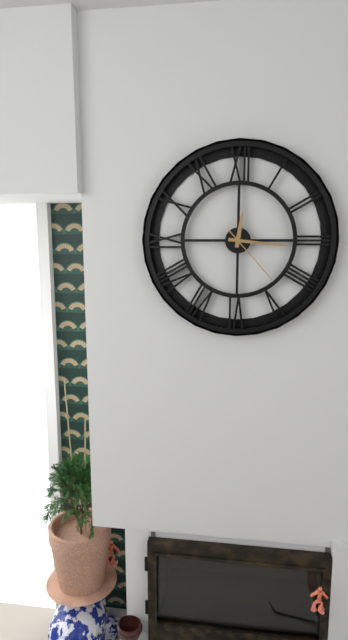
12:16:23
